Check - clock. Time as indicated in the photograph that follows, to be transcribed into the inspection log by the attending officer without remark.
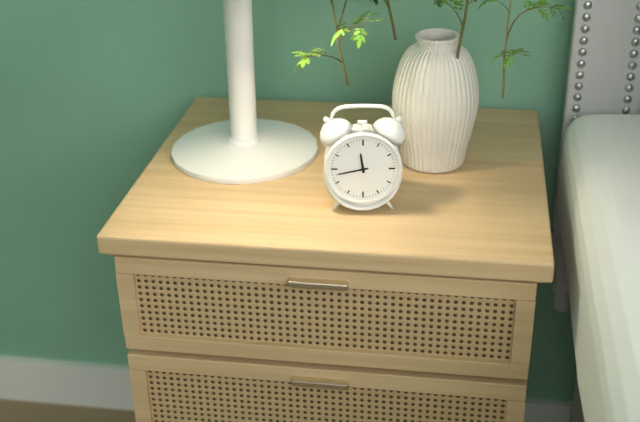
11:43
